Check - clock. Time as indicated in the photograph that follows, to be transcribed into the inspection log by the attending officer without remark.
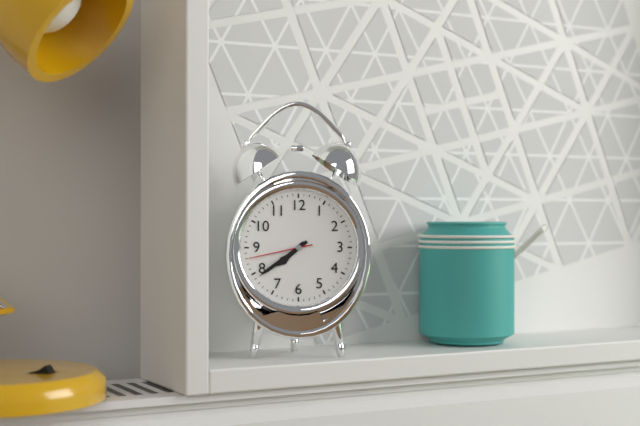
7:39:43
